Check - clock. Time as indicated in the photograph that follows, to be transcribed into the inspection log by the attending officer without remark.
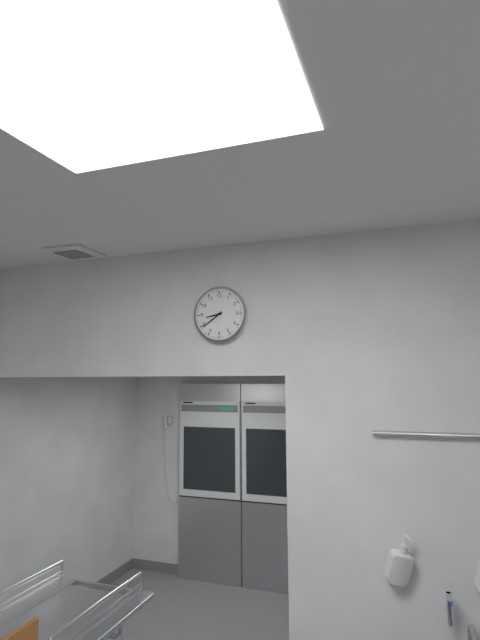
8:39
